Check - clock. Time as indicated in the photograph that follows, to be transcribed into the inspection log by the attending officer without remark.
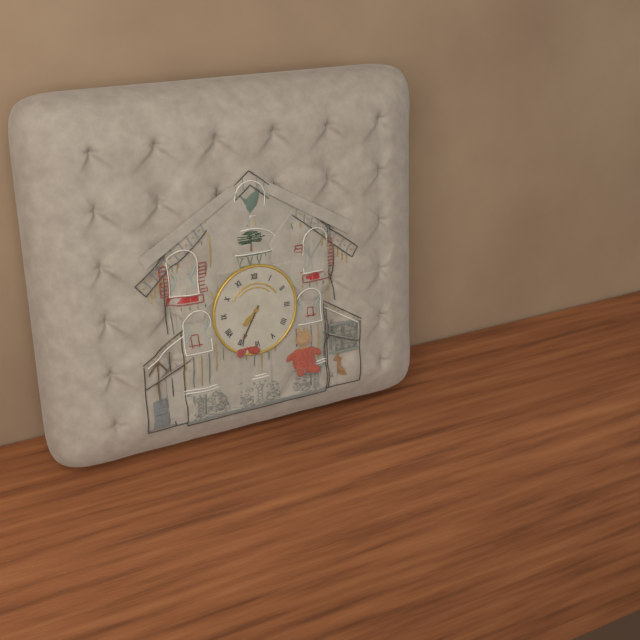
7:35
